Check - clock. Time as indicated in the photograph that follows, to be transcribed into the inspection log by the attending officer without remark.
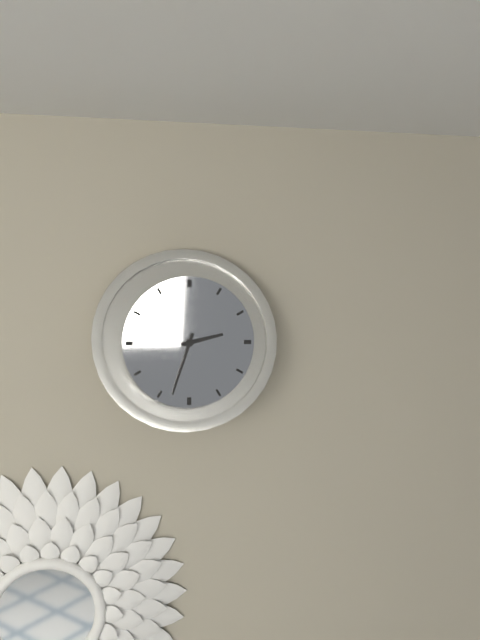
2:33
